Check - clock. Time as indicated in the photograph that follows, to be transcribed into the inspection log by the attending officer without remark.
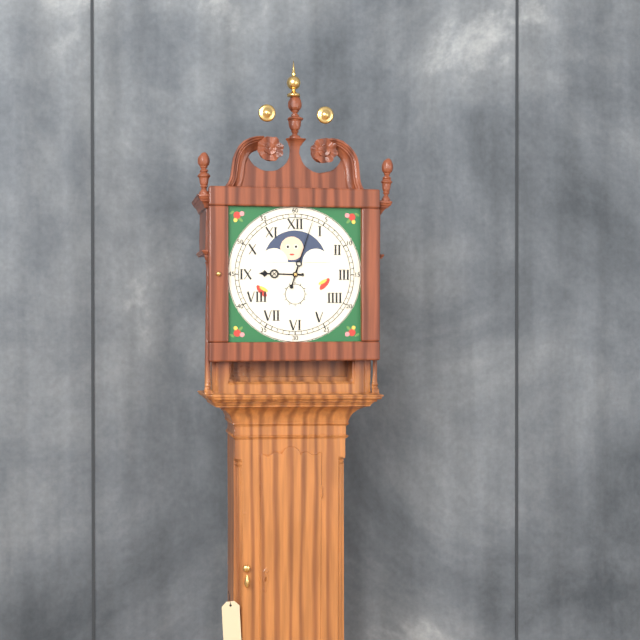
9:03
